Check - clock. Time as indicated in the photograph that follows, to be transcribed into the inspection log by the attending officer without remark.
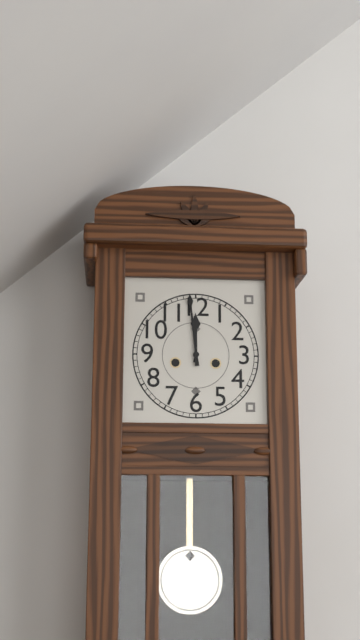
11:59
